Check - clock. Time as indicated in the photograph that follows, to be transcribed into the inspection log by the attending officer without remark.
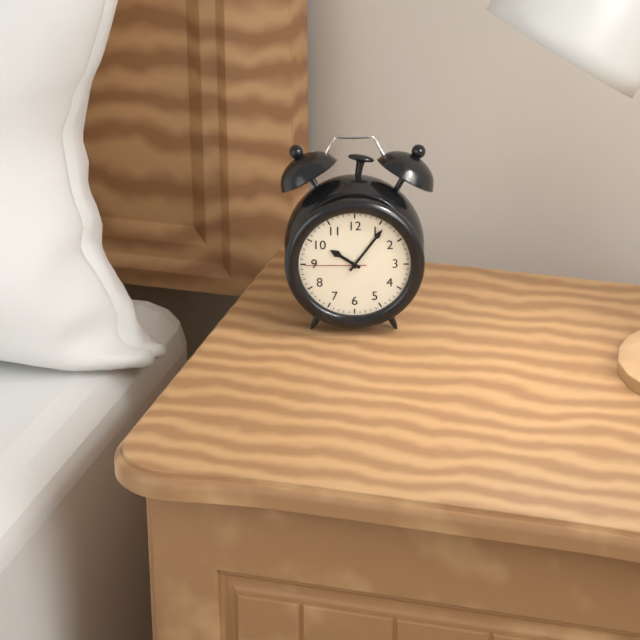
10:06:45
